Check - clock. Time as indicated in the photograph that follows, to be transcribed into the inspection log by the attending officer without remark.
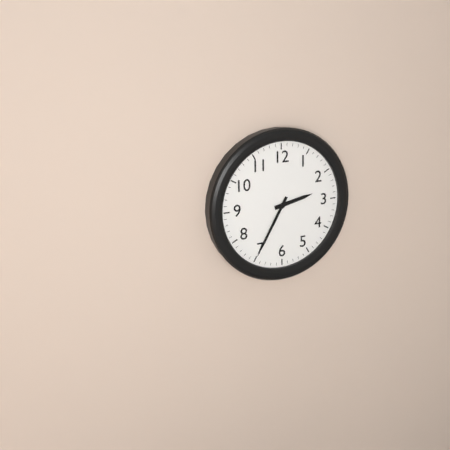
2:35
